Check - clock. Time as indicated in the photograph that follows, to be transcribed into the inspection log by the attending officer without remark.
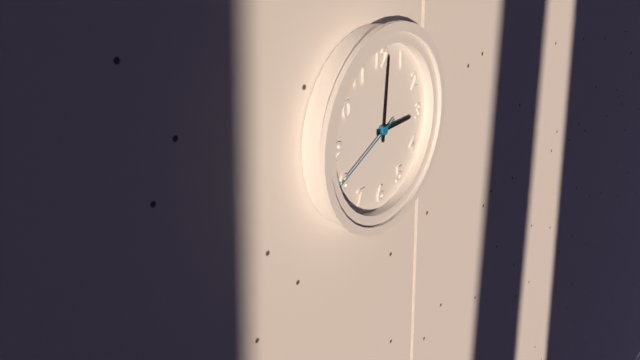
3:01:41
